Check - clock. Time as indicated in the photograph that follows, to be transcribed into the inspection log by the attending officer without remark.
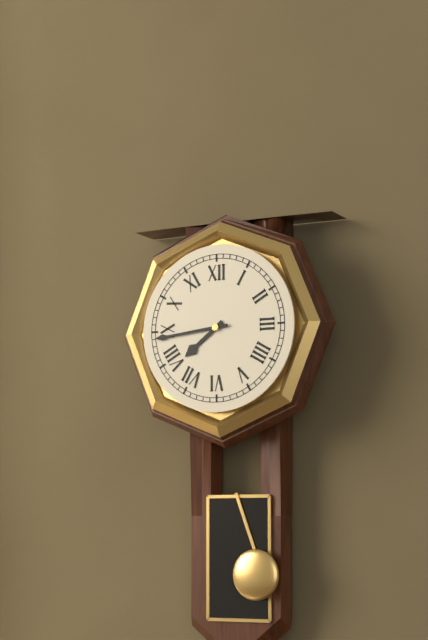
7:44
